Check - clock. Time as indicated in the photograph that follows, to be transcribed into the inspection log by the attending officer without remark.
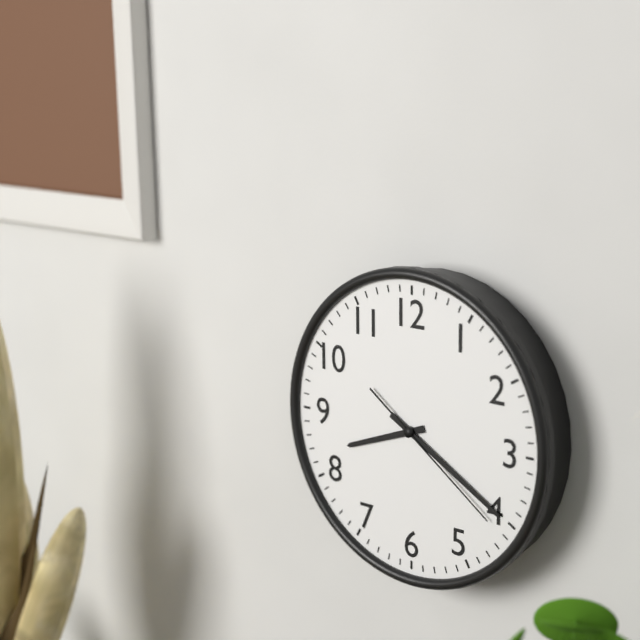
8:20:21
